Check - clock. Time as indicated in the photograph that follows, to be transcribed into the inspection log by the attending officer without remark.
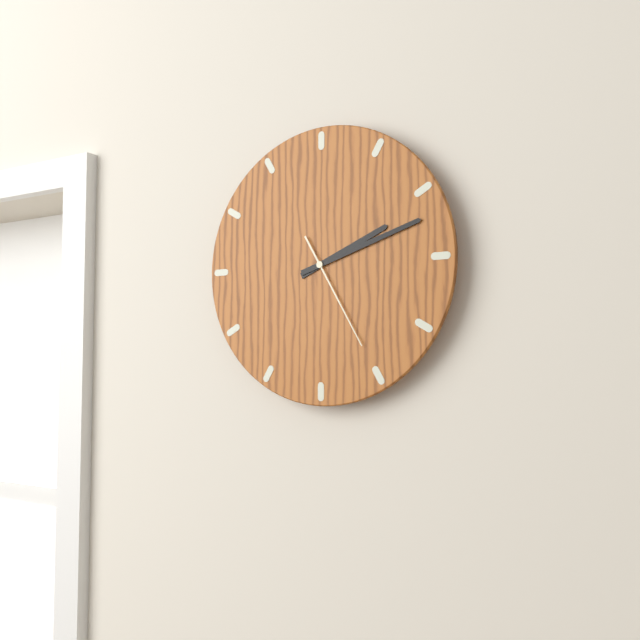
2:12:25
